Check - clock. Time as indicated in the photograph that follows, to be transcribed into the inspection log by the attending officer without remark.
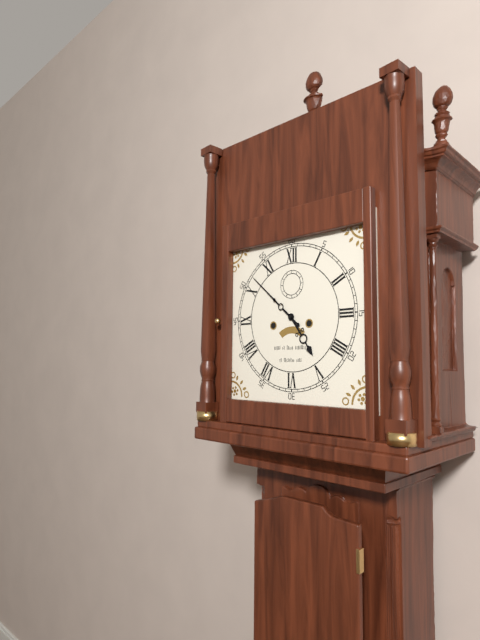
4:52
